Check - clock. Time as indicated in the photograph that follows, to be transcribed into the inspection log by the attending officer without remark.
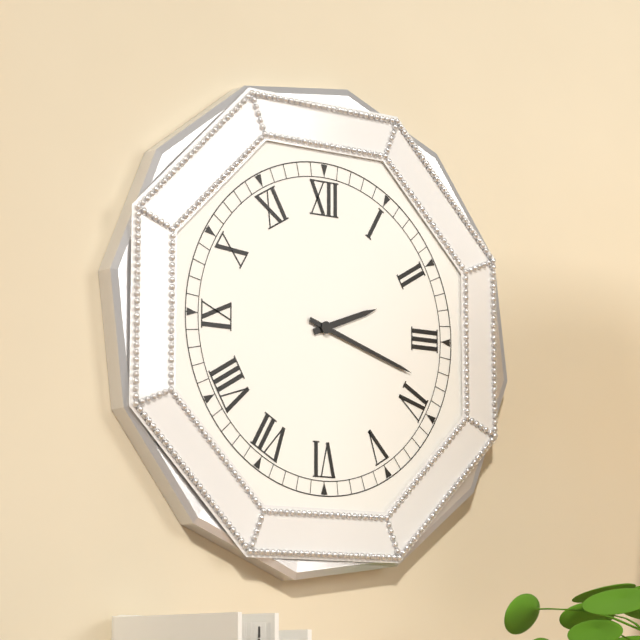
2:18
